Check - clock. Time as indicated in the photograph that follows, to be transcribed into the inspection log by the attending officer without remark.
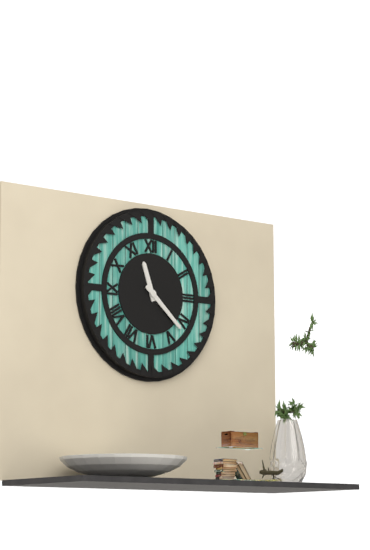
11:22
